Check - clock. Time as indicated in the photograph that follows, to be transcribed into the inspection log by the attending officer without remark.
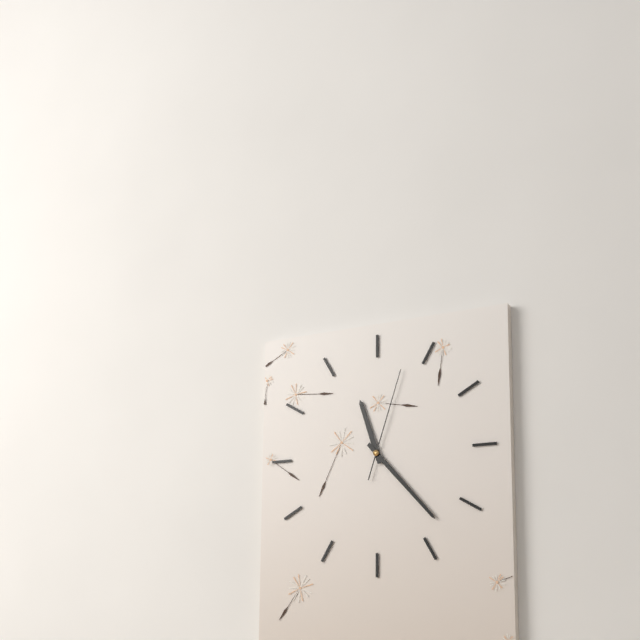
11:23:03
